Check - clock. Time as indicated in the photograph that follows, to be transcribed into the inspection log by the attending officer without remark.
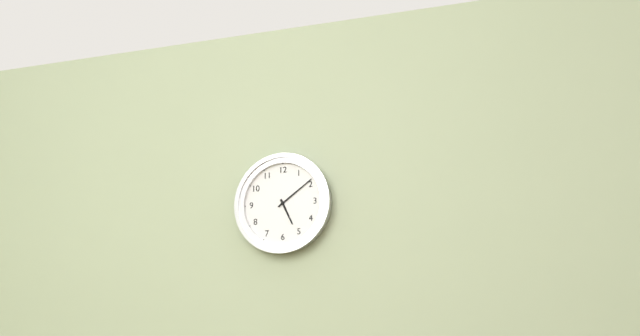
5:09
